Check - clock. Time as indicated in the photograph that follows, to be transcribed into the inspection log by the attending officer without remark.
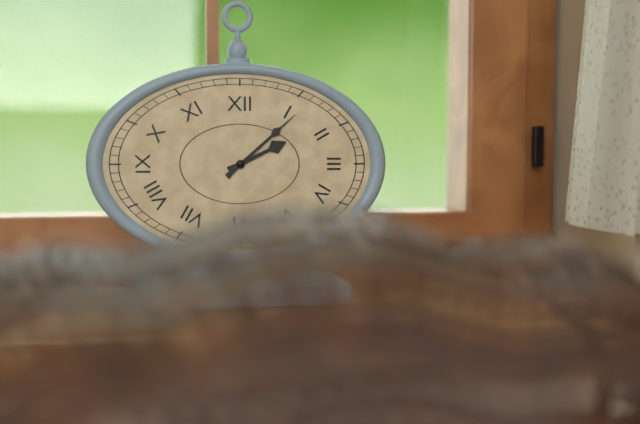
2:08
